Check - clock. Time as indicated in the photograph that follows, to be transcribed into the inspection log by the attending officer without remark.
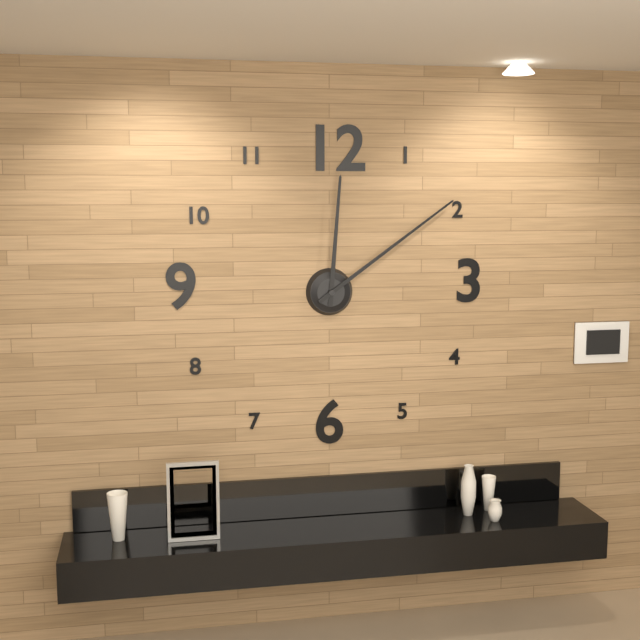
12:09
